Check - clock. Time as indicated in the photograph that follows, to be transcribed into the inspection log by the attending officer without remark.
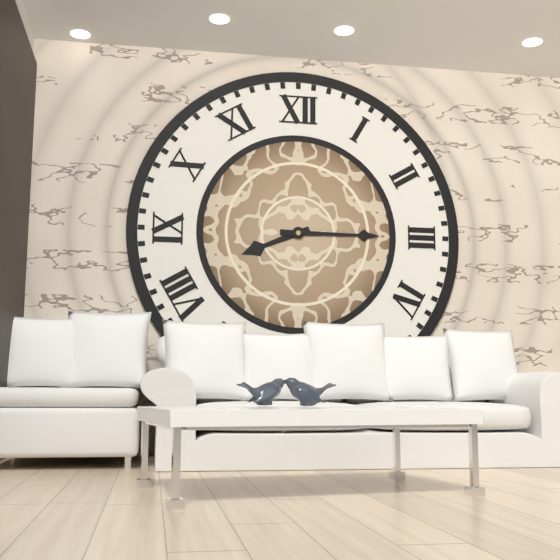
8:15
